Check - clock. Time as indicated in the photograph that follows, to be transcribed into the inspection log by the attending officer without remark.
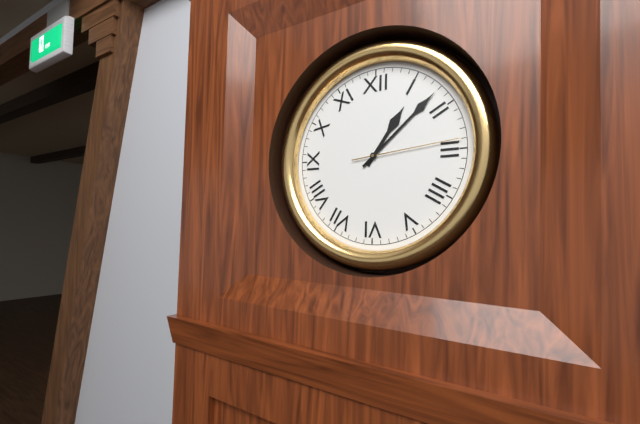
1:08:14
